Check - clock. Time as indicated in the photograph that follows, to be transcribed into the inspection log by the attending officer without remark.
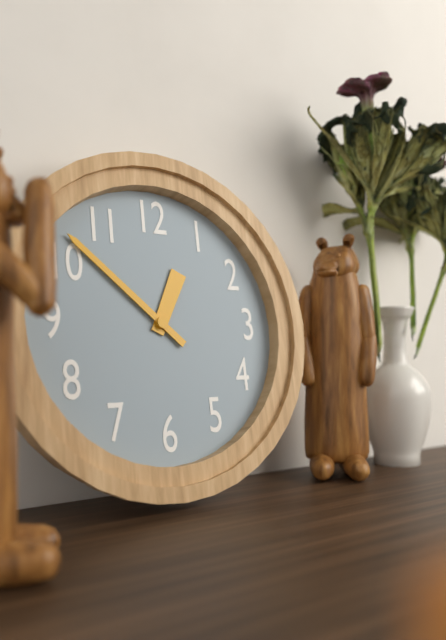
12:52
